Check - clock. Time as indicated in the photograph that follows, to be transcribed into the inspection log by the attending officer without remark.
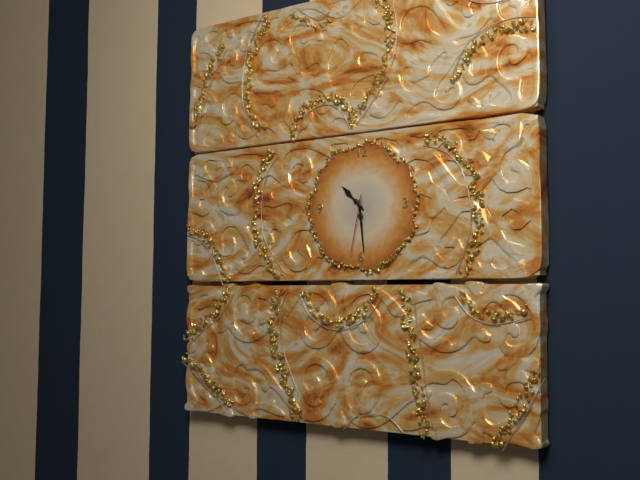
10:29:32
